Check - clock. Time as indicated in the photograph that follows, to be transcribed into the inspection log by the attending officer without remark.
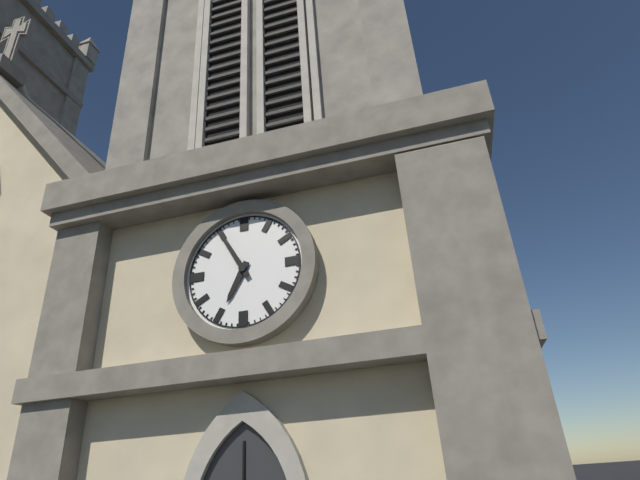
6:55
